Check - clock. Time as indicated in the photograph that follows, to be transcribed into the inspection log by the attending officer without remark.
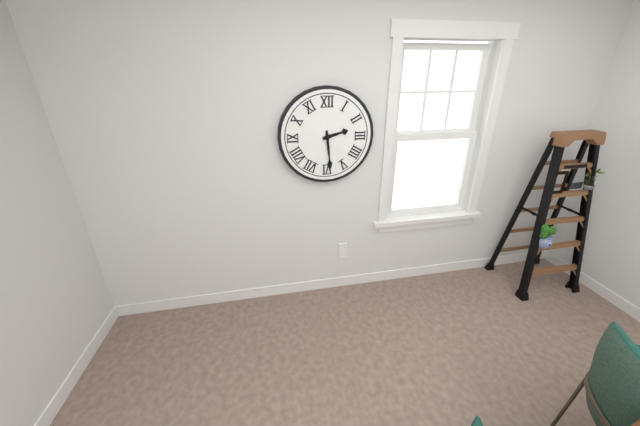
2:29
